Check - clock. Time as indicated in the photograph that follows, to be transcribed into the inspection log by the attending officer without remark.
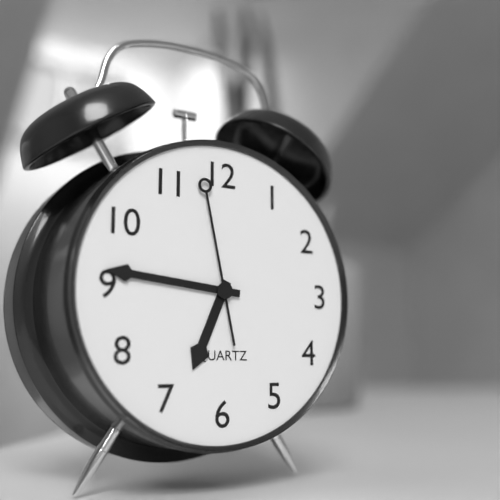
6:46:58
